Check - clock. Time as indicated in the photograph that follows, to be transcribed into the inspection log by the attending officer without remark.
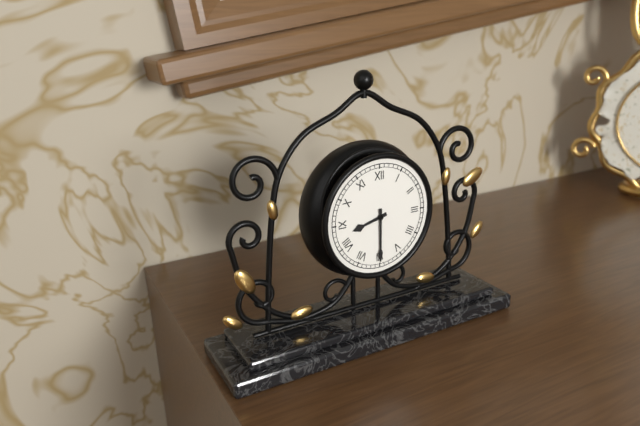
8:30
